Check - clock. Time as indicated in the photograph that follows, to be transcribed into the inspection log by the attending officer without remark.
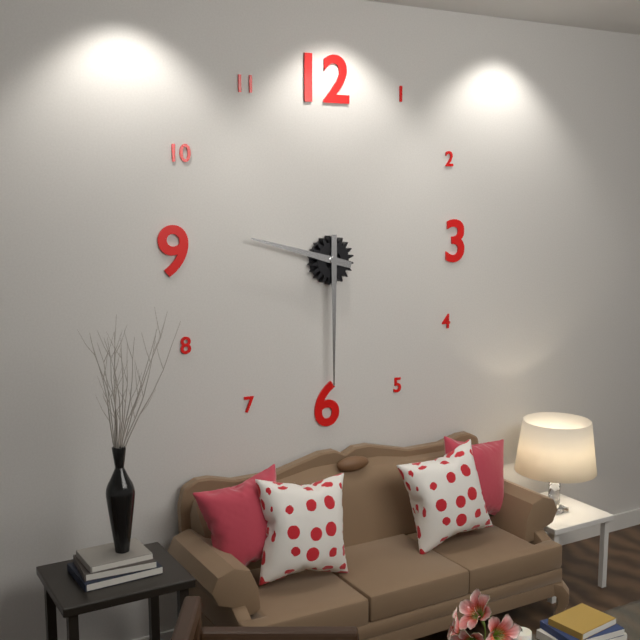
9:30
